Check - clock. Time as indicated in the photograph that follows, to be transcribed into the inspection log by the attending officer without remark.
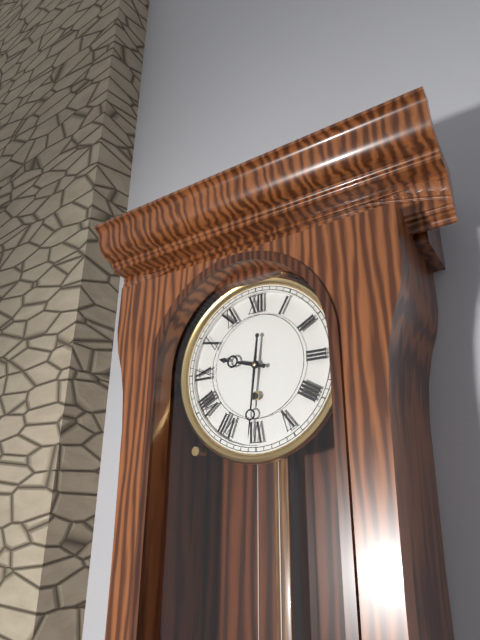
9:31
